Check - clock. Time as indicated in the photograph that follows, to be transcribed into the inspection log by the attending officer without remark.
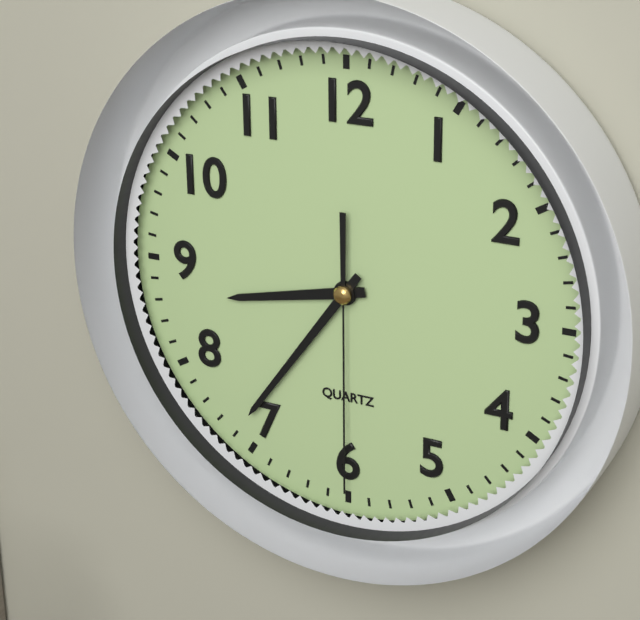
8:36:30
